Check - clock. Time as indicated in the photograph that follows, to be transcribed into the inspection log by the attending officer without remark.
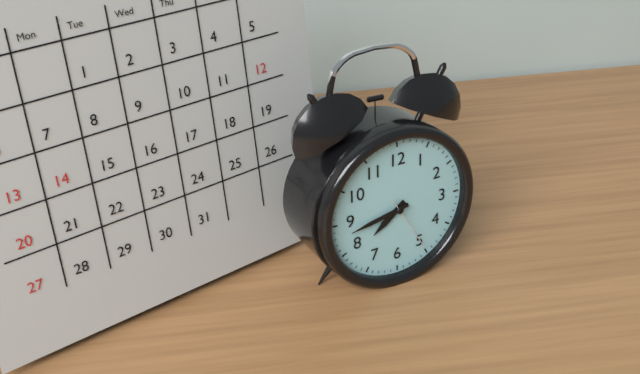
7:43:25
